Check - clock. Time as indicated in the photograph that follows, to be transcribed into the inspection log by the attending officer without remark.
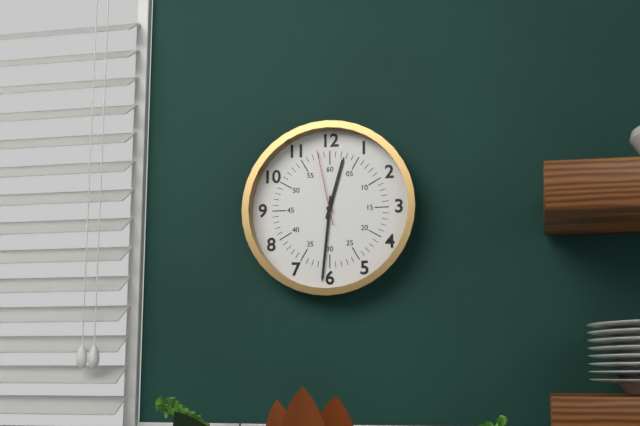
12:31:58
